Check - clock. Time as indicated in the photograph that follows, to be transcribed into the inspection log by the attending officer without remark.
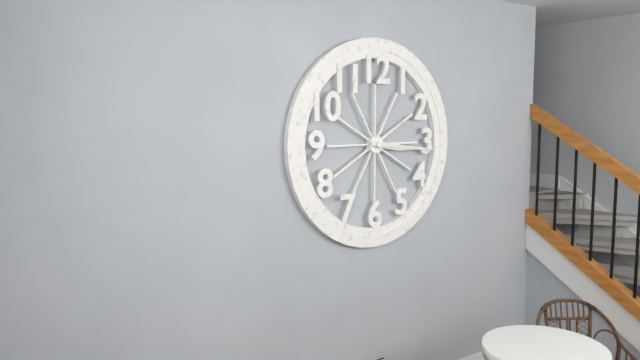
3:16
